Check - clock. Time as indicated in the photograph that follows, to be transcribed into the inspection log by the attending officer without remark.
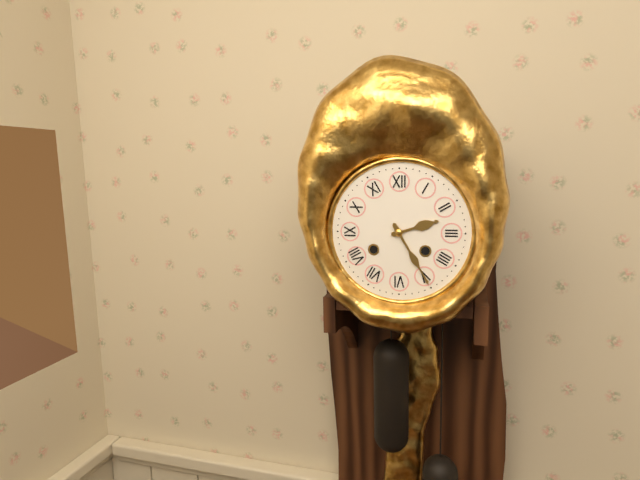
2:25
